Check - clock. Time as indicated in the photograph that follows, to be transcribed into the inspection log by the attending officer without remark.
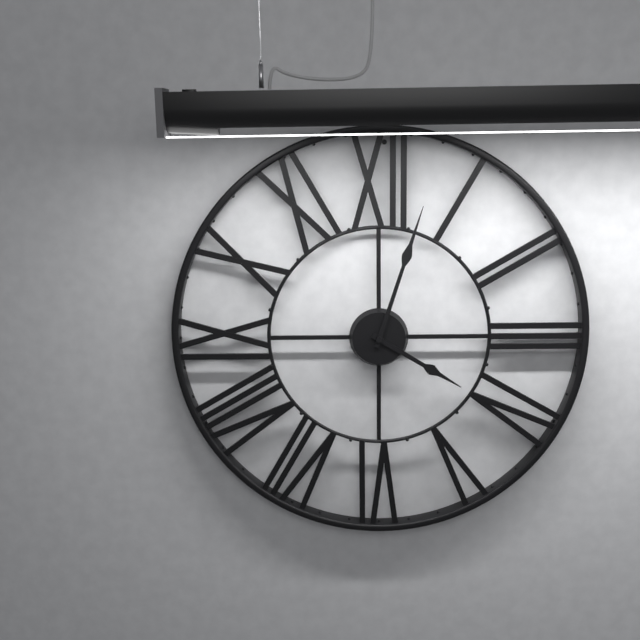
4:03
